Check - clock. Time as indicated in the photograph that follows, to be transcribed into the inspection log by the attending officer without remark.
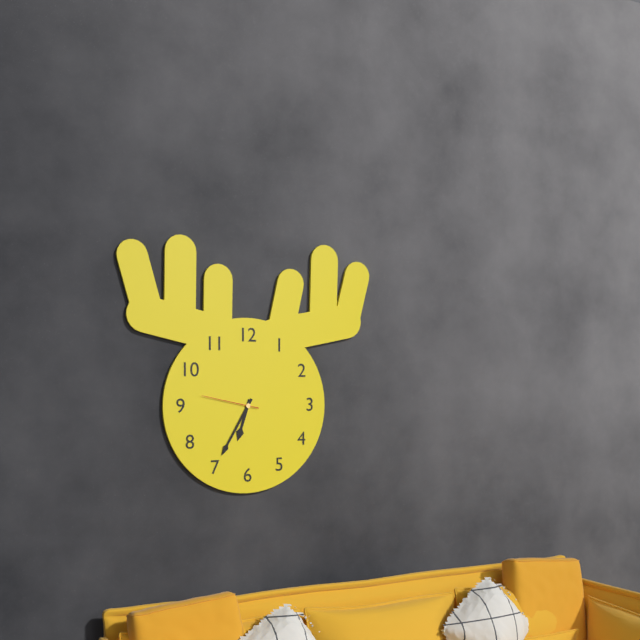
6:35:47
